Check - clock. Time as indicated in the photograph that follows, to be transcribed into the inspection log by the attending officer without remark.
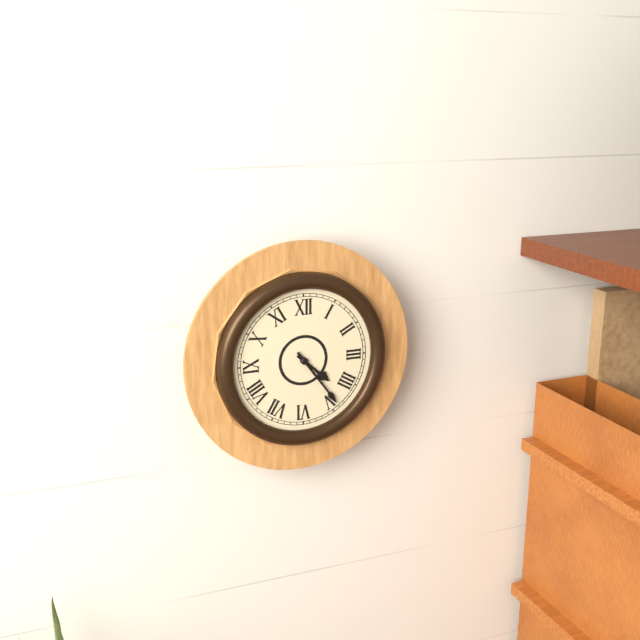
4:24
